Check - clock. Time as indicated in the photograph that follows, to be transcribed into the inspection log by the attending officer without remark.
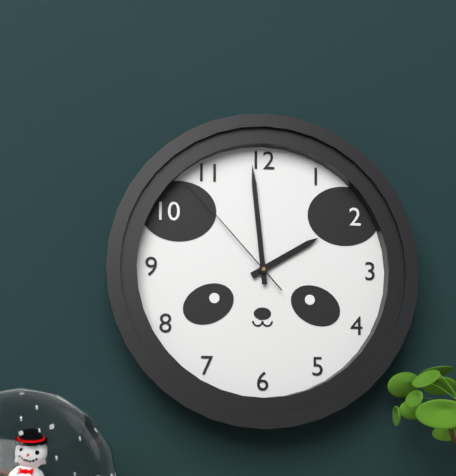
1:59:53
